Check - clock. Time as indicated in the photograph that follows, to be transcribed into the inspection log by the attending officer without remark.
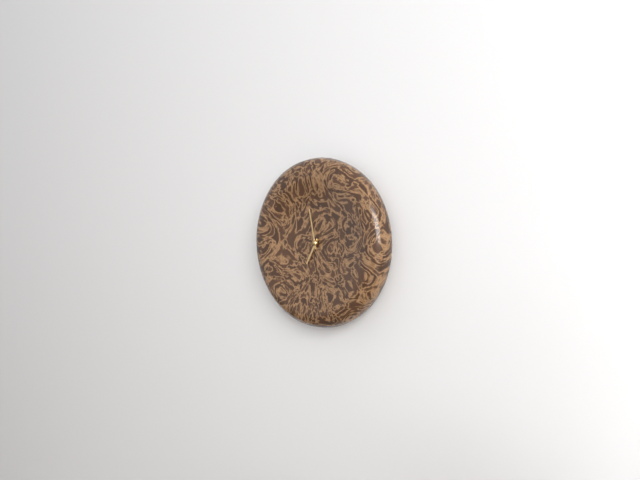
6:58
